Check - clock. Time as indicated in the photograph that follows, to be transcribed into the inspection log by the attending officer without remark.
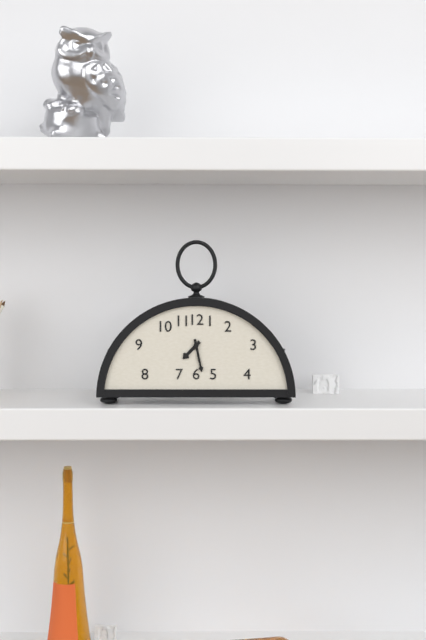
7:28
